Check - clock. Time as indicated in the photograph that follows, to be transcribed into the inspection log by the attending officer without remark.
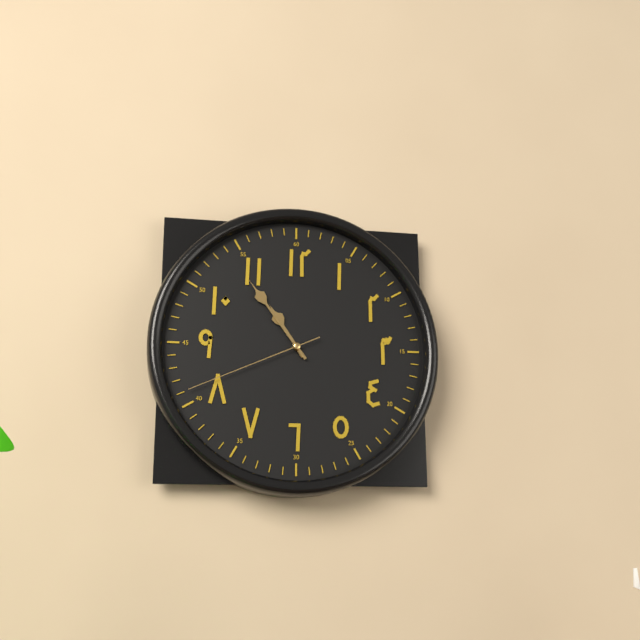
10:54:41
